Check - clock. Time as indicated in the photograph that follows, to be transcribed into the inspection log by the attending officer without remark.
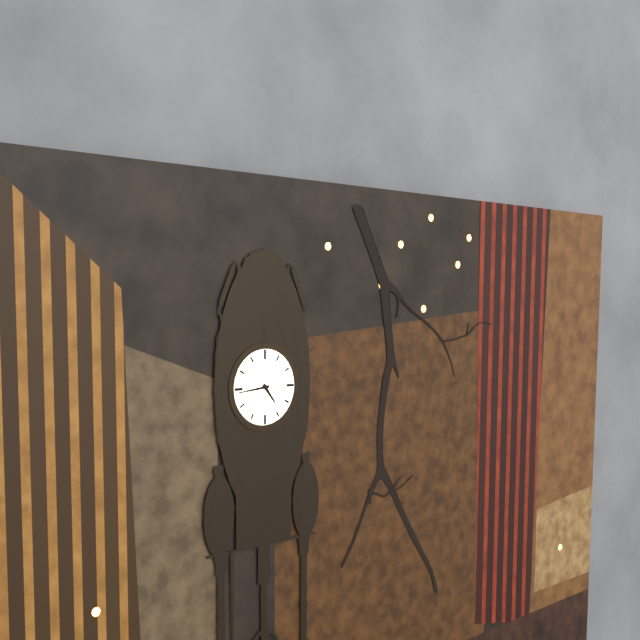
4:44
